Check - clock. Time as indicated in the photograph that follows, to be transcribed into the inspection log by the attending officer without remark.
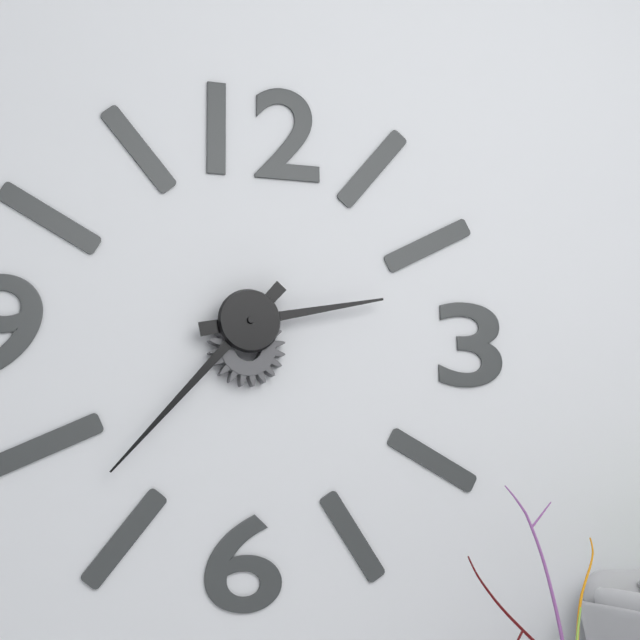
2:37
